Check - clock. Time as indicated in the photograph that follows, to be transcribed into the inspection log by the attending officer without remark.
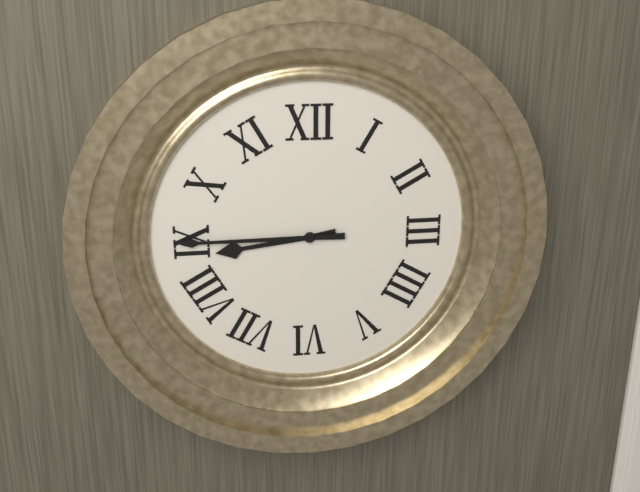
8:45
